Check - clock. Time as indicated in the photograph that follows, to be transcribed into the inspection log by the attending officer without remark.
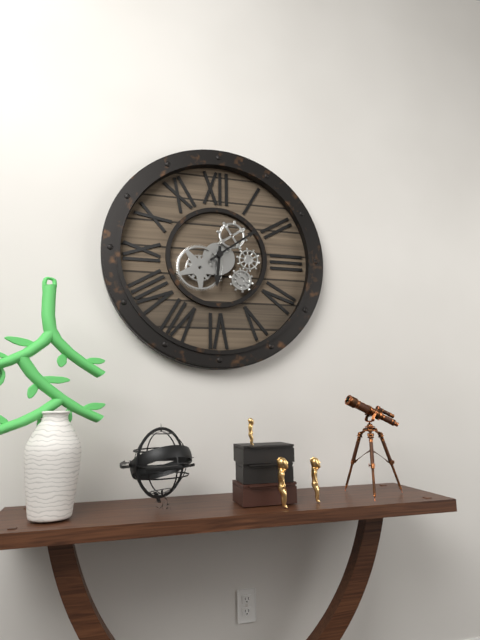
6:09
